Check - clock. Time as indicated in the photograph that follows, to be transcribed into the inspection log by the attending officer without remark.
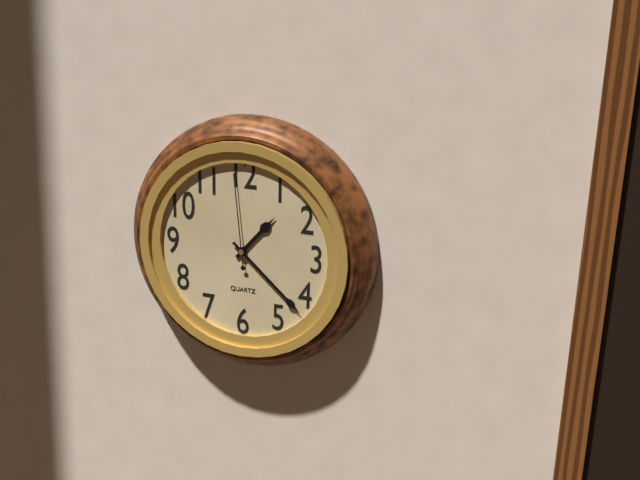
1:22:59
